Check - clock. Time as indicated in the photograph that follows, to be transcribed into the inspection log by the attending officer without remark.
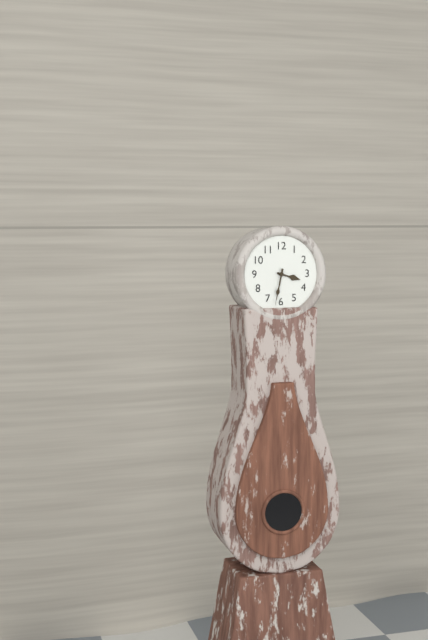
3:32
